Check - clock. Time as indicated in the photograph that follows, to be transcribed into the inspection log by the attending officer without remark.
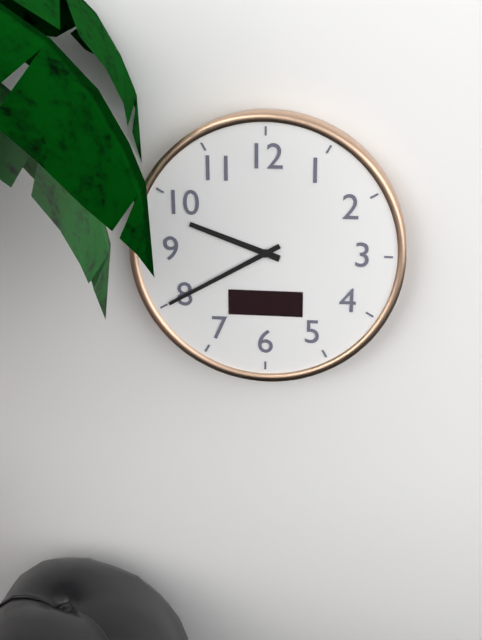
9:40
